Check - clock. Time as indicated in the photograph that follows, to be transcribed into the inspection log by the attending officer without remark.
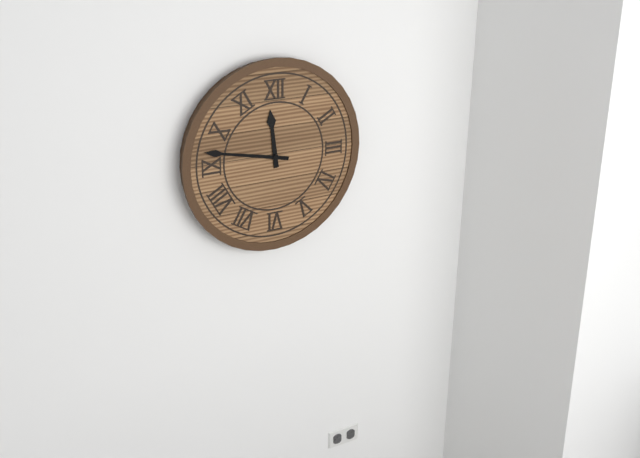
11:47
